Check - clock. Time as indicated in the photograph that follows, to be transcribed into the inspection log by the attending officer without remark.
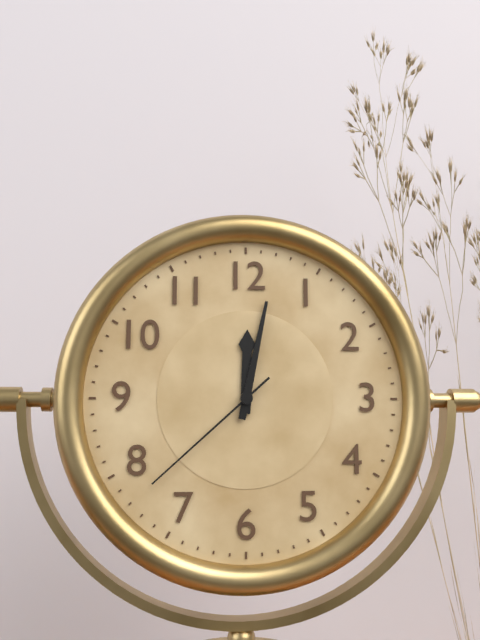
12:02:38
